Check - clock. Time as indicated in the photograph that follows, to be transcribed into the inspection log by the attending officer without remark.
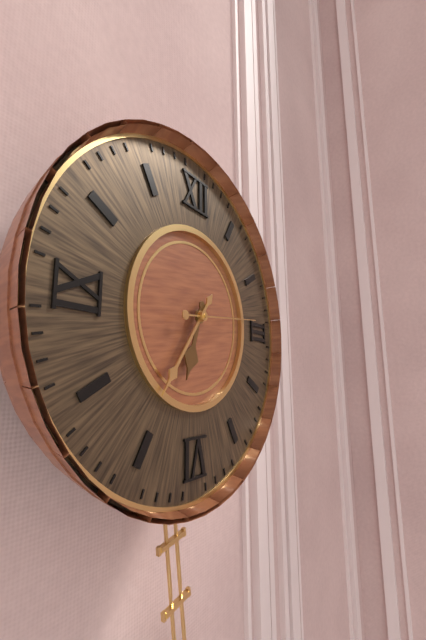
6:36:14
